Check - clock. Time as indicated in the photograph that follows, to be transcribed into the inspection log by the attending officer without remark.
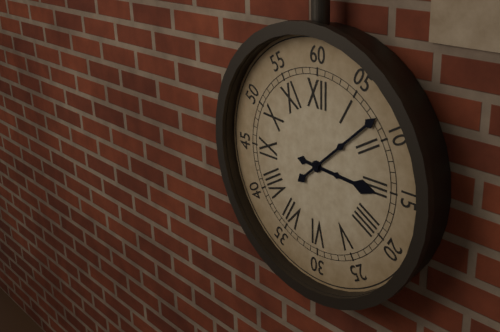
3:08
